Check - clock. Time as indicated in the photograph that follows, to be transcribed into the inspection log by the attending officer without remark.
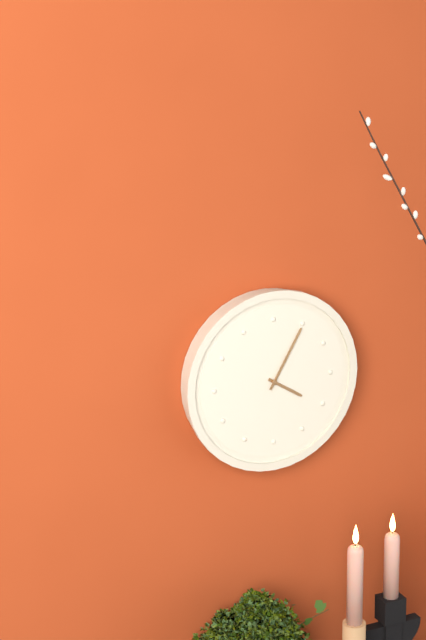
4:05
